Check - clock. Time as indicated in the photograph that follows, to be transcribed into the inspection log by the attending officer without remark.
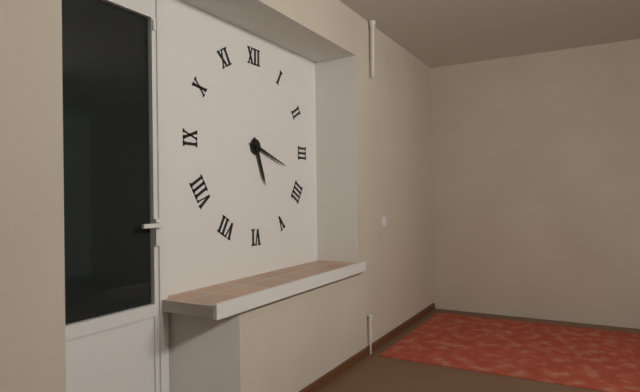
5:18
